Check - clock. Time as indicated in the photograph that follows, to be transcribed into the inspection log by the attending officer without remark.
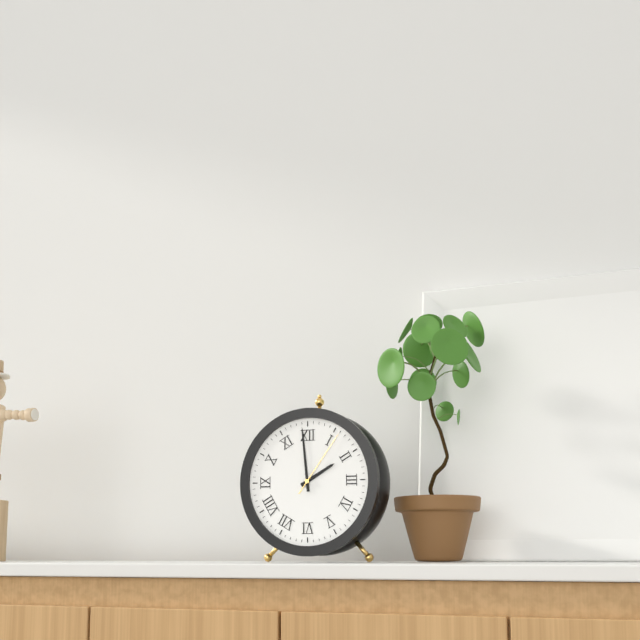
1:59:06
